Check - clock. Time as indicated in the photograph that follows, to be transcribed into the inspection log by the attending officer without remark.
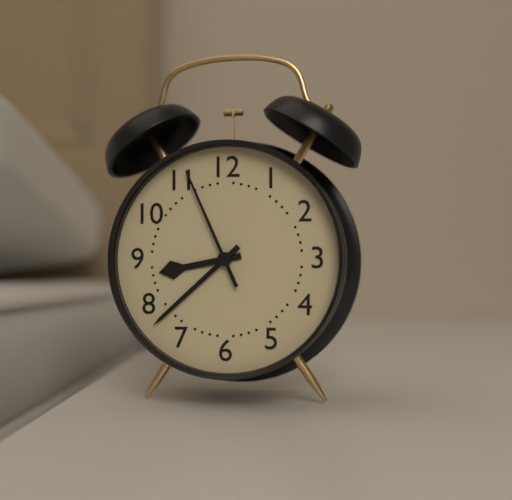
8:38:56
